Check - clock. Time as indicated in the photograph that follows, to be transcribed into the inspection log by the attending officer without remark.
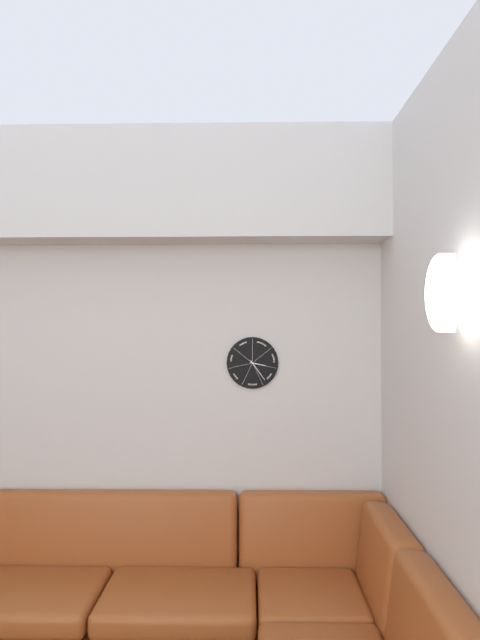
3:24
